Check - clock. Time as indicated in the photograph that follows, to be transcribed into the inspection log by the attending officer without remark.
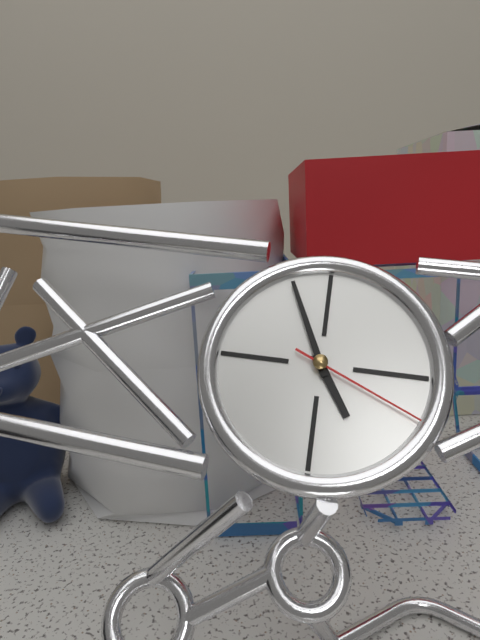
4:56:19
